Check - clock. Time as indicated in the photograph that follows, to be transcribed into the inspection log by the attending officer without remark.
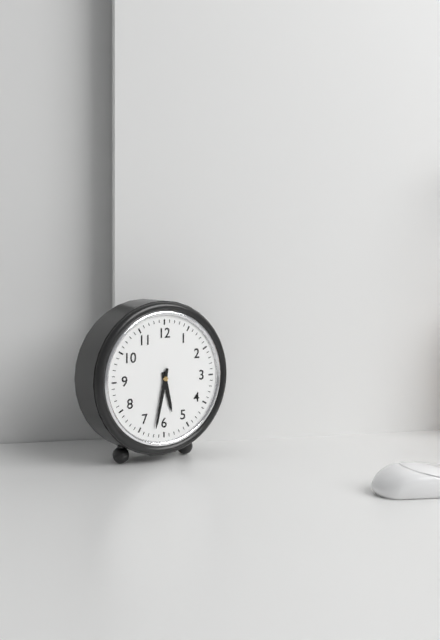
5:32
